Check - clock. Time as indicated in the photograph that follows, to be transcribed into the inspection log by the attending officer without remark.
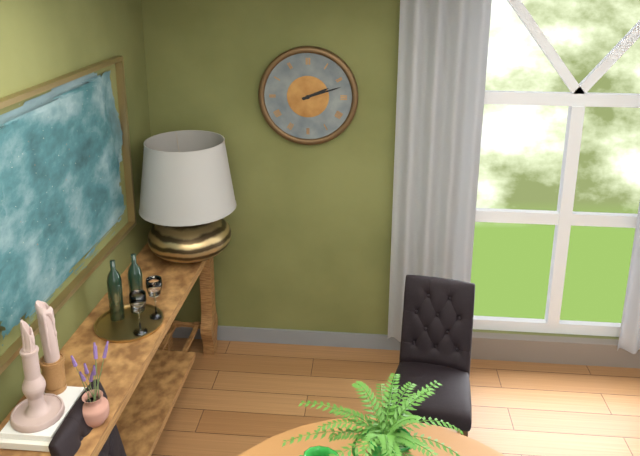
2:12
